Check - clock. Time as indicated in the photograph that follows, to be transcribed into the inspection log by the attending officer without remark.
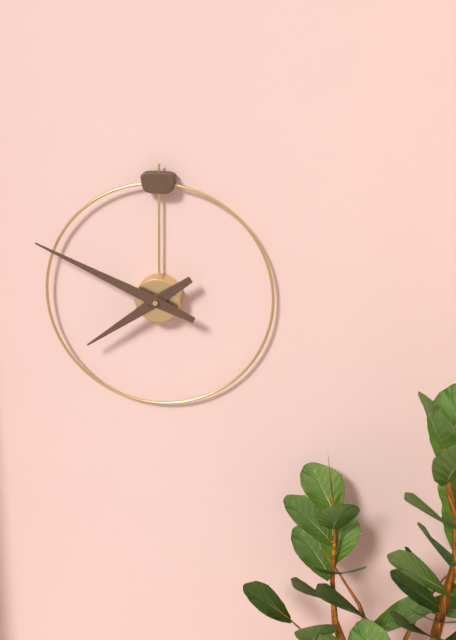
7:49
